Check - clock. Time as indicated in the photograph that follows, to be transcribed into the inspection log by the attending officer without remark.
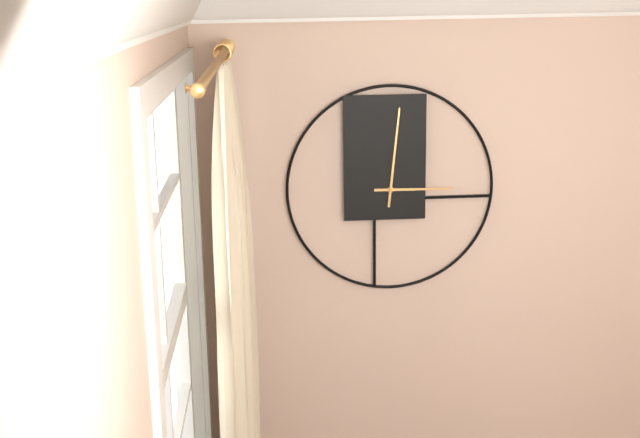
3:01
